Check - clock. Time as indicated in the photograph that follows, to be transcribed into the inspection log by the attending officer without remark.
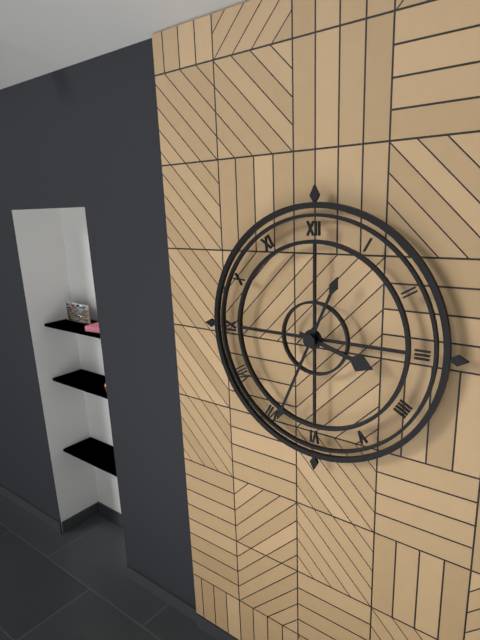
3:34
